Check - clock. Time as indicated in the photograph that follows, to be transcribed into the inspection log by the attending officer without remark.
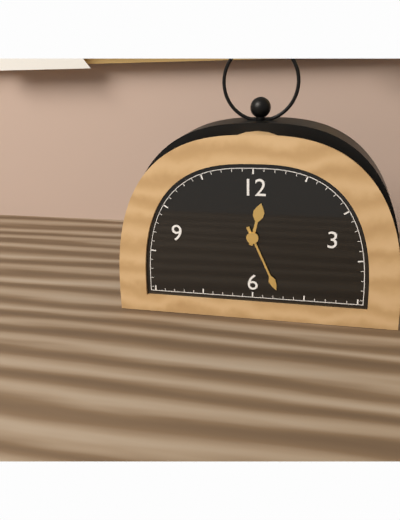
12:26
